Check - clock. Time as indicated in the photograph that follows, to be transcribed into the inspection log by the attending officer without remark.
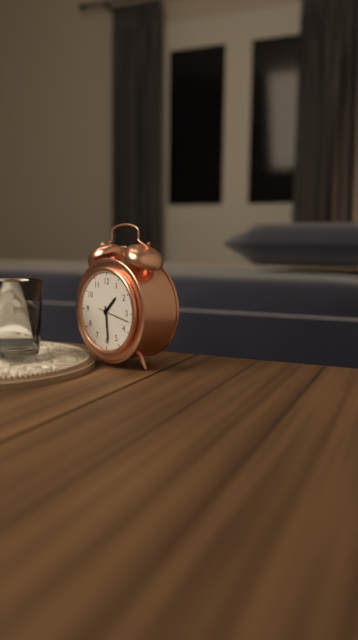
1:29
